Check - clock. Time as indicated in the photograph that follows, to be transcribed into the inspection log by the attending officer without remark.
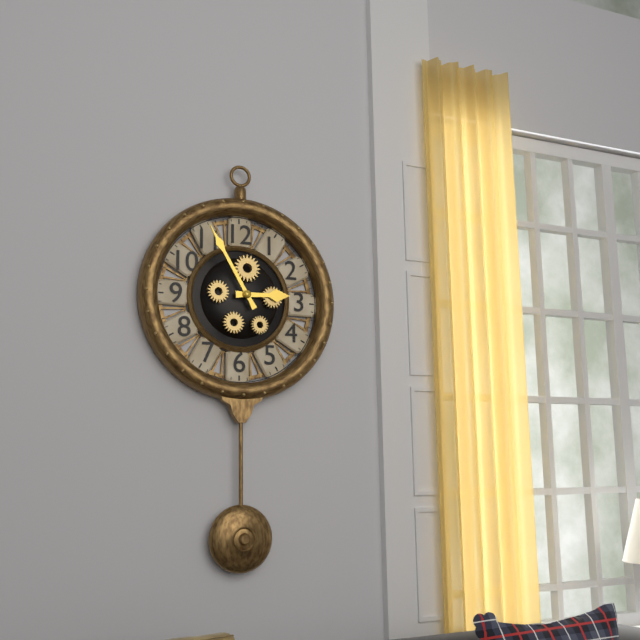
2:55
